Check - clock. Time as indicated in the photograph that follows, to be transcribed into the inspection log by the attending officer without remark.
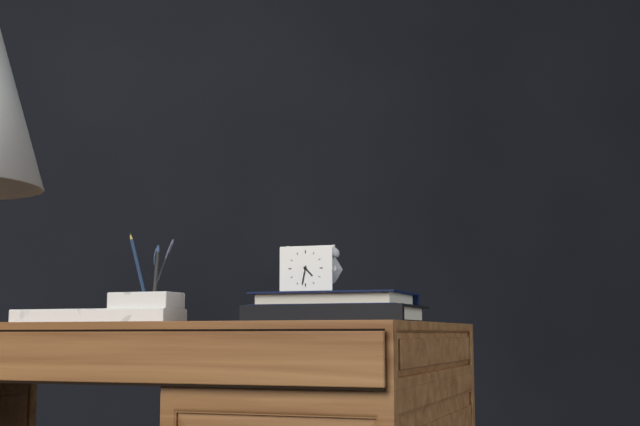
4:32
